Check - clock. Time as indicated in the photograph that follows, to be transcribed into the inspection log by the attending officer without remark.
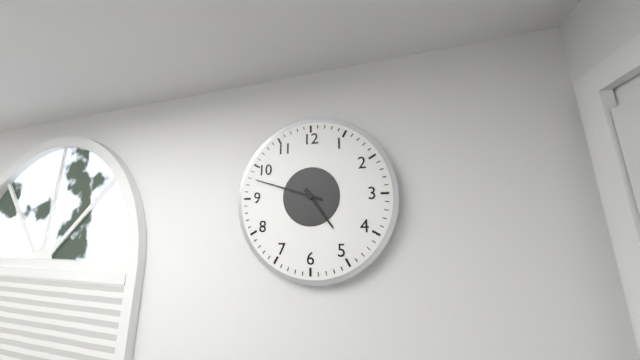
4:48
